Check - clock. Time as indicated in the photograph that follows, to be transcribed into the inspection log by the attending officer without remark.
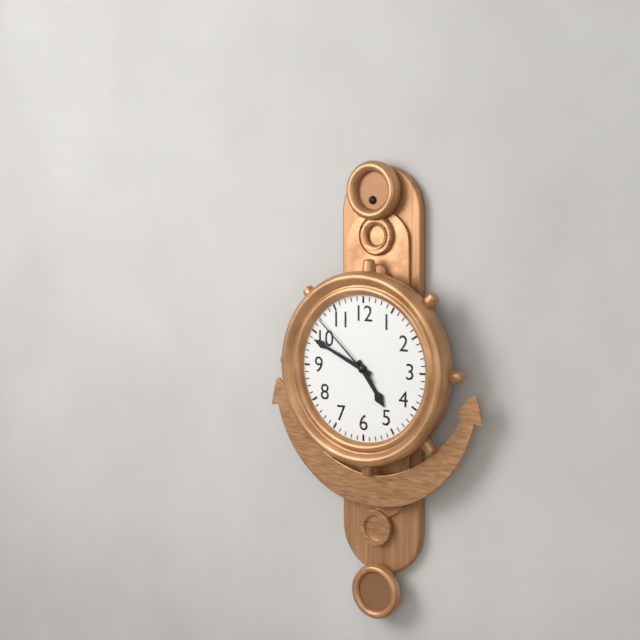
4:49:52
